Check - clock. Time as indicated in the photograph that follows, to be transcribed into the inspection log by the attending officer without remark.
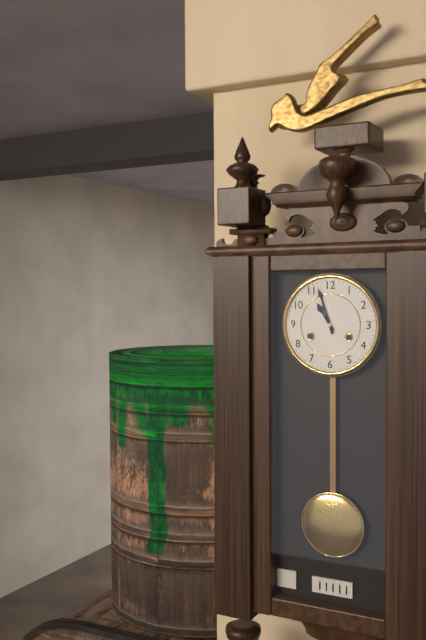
10:57
